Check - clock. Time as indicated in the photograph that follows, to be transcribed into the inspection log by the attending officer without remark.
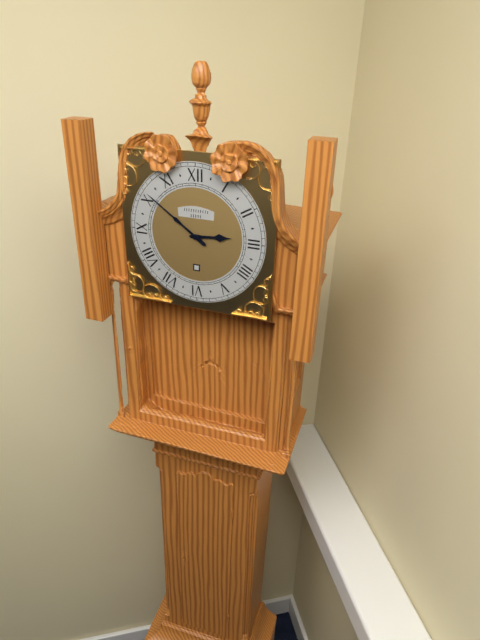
2:51
